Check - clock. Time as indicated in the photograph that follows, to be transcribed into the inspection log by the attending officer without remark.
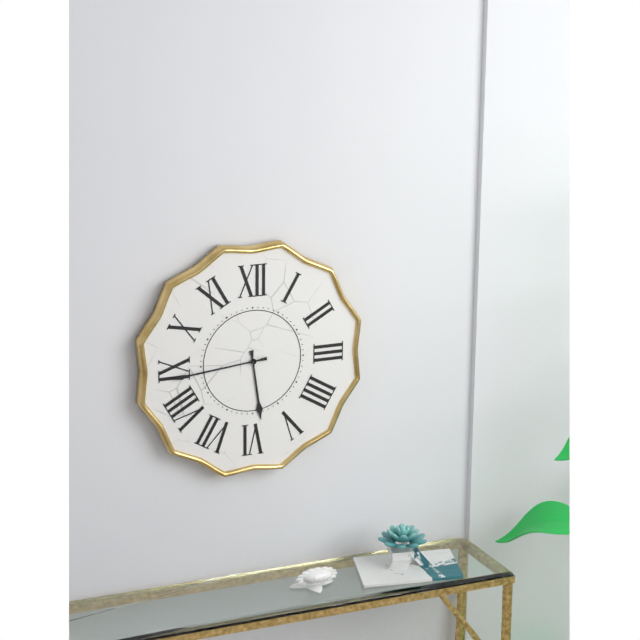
5:44
